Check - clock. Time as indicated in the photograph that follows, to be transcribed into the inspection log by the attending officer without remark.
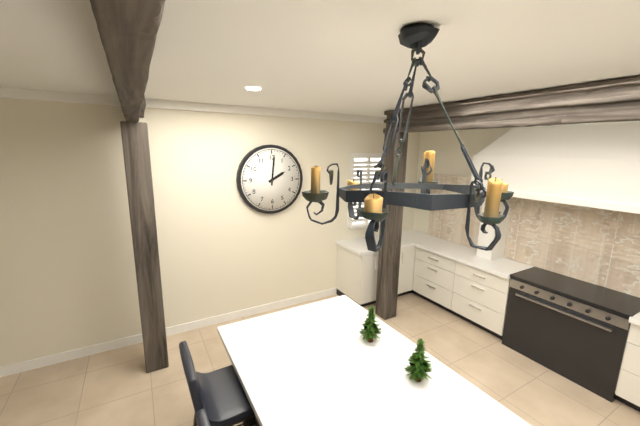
2:01
